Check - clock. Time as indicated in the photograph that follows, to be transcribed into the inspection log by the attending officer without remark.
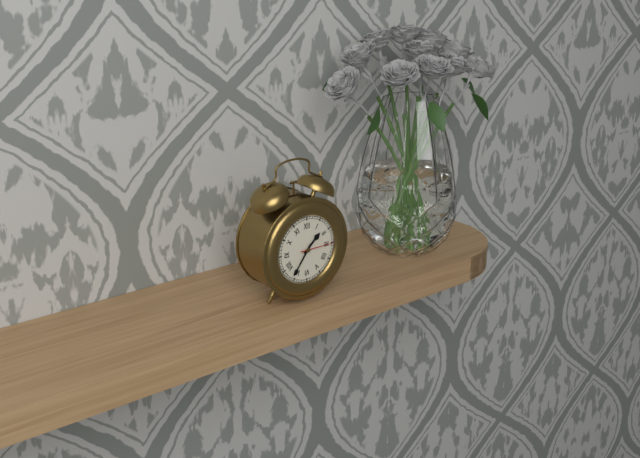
1:36
